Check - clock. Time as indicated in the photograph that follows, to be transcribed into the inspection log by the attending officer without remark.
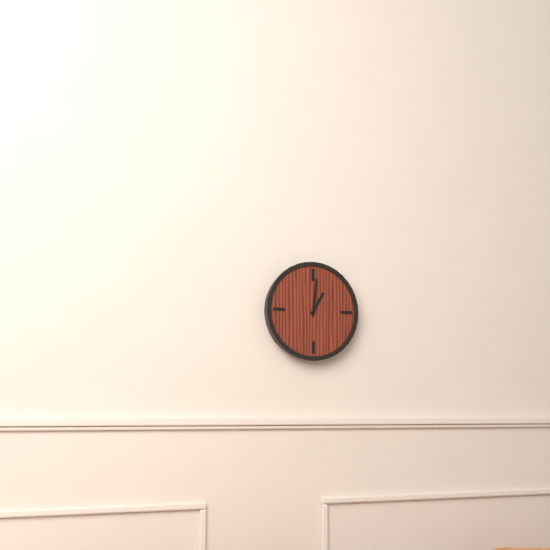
1:01
